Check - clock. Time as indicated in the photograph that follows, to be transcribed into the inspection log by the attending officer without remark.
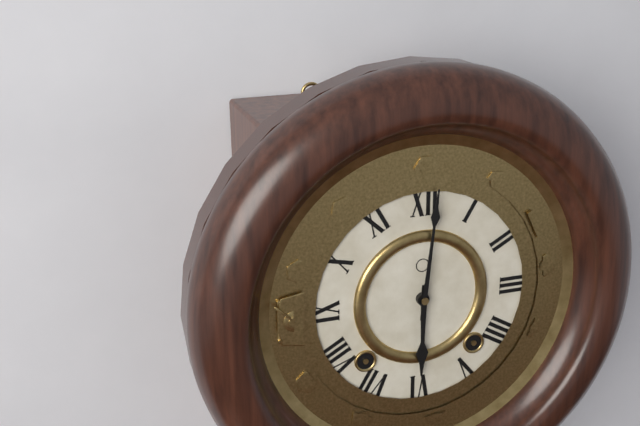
6:01
